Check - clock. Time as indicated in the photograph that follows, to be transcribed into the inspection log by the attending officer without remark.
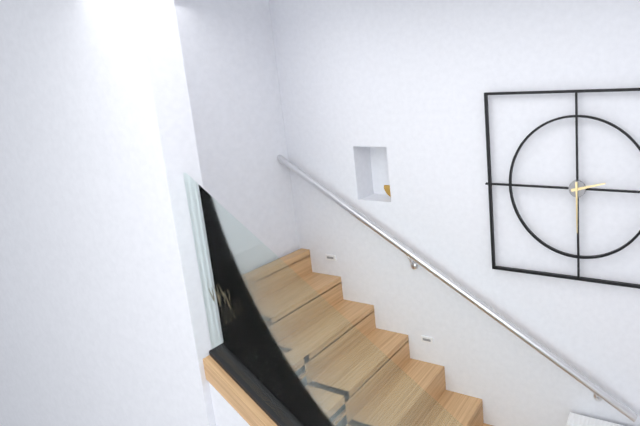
2:30
